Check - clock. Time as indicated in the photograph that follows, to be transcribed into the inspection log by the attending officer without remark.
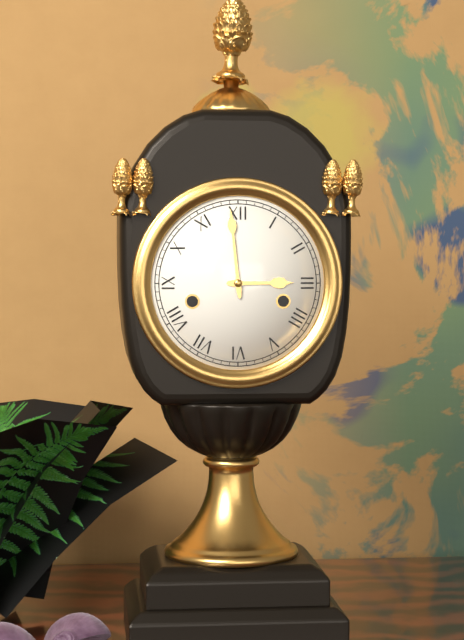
2:59
